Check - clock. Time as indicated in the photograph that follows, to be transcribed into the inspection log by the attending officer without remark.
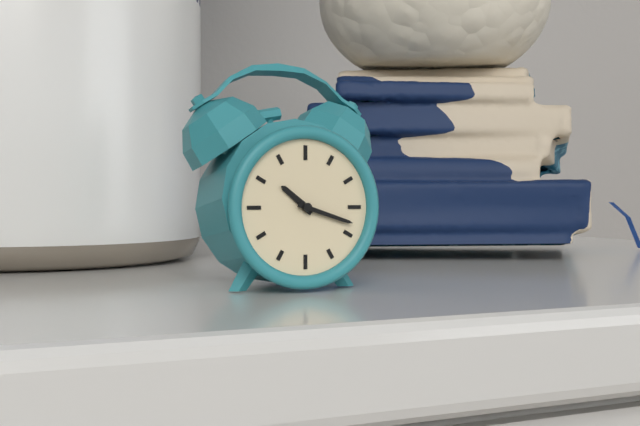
10:18
